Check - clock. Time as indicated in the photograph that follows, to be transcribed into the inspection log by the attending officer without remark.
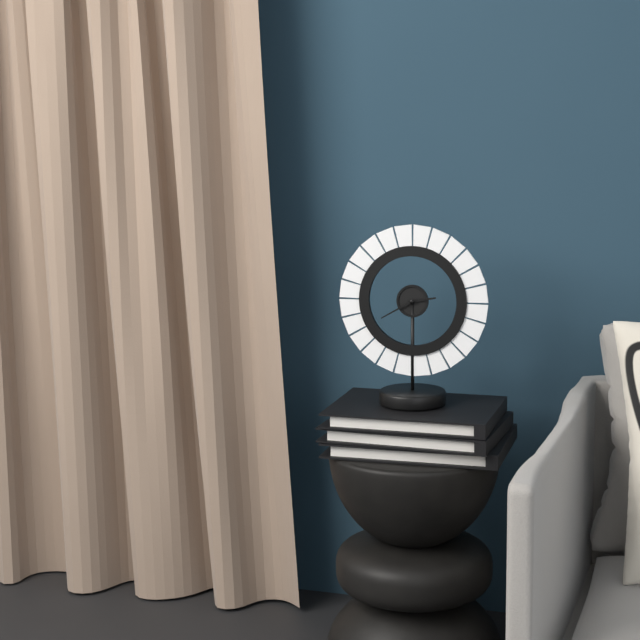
2:40
